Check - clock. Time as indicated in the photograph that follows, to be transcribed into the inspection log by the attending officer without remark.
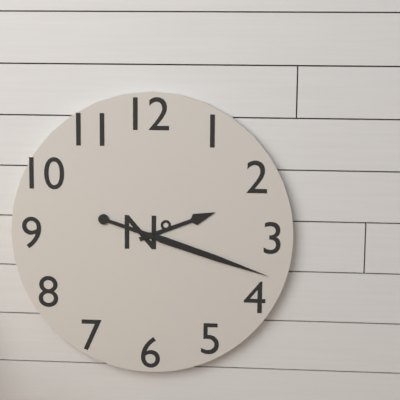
2:18
